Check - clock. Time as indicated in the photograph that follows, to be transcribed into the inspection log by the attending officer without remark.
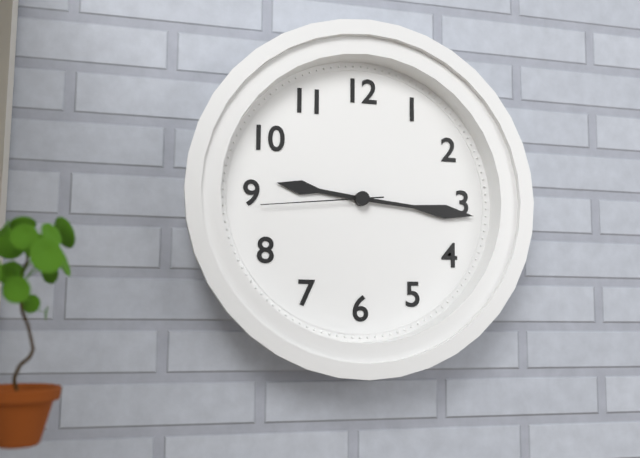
9:16:44
